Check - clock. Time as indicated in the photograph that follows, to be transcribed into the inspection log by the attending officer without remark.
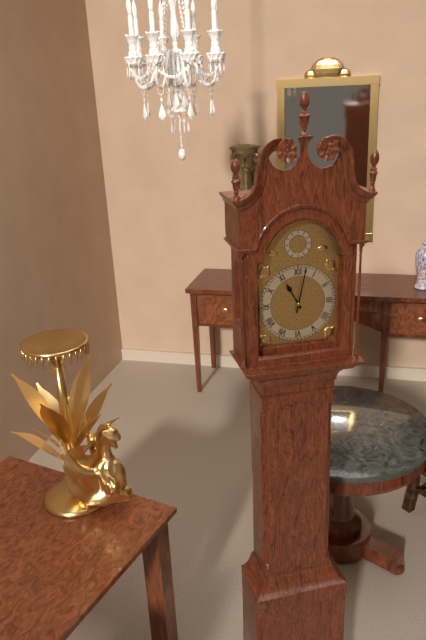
11:02
